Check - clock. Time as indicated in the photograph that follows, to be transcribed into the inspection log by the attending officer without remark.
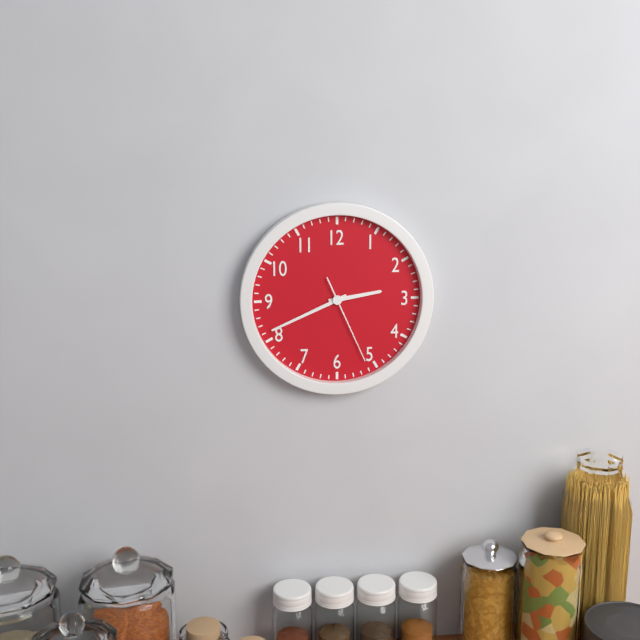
2:41:26
